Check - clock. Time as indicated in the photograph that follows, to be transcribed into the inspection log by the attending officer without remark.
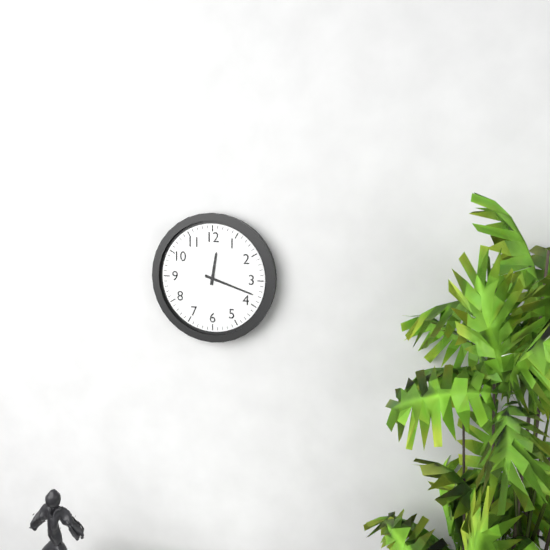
12:18
